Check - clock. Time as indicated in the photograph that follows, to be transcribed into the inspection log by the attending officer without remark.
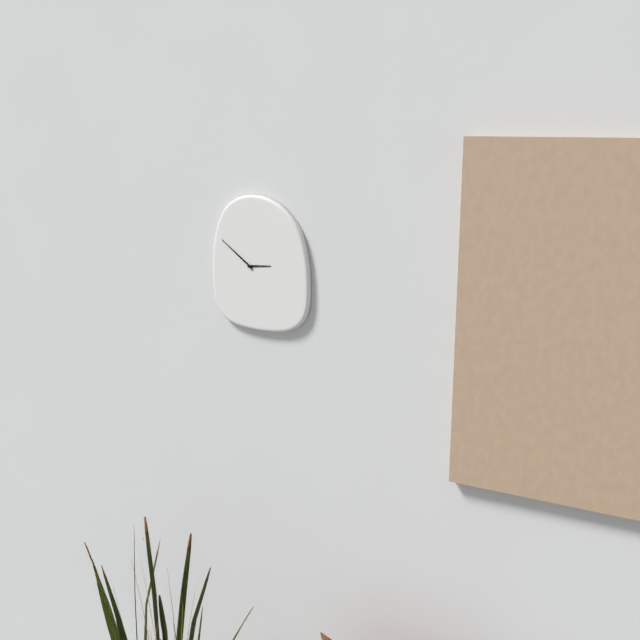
2:51
